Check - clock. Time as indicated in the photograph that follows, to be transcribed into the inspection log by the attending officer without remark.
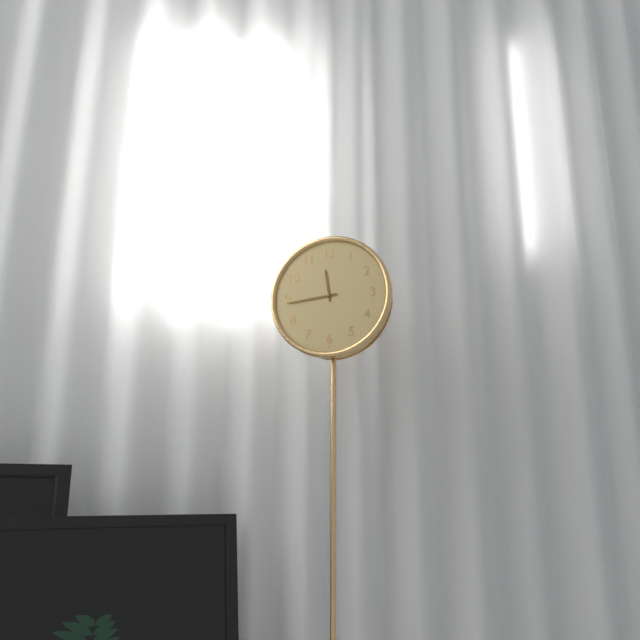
11:44
